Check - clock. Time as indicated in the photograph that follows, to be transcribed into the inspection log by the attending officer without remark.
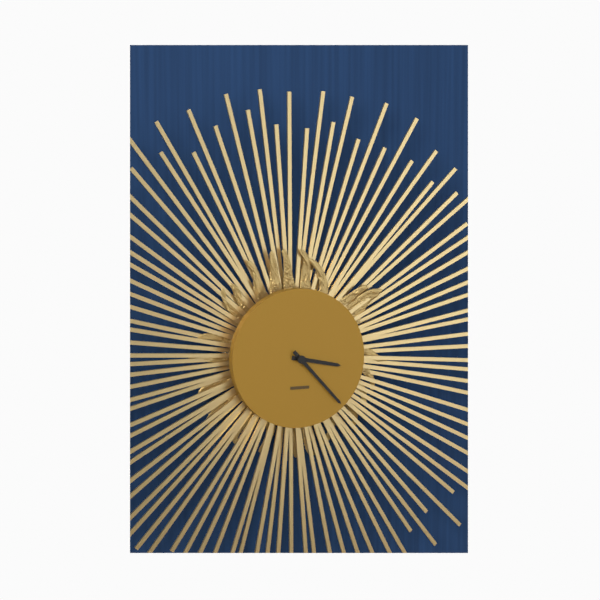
3:23
